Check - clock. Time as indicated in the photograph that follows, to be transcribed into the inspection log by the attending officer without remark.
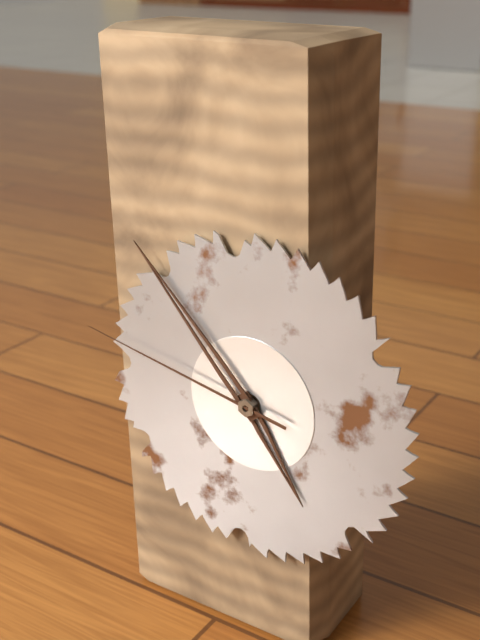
4:53:47
